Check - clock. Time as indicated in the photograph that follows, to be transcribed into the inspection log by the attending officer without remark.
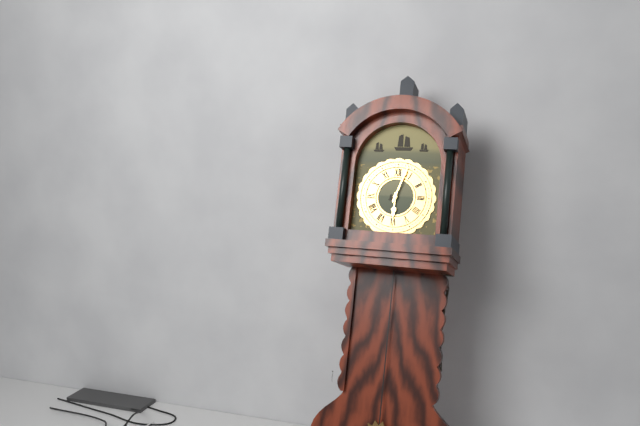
6:03
